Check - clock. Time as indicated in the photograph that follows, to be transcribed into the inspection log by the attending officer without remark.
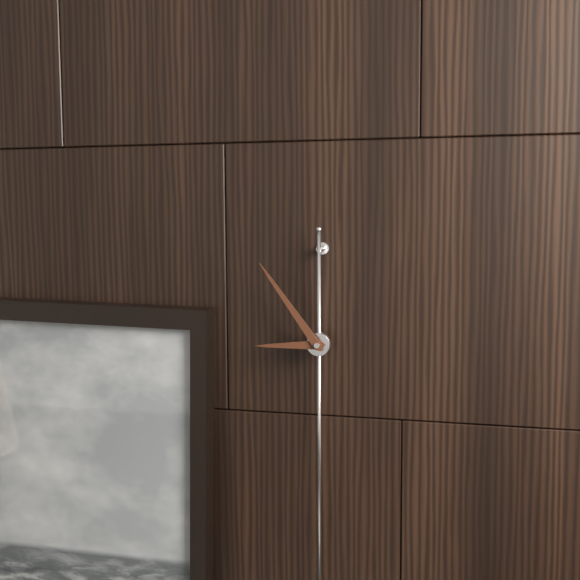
8:54
